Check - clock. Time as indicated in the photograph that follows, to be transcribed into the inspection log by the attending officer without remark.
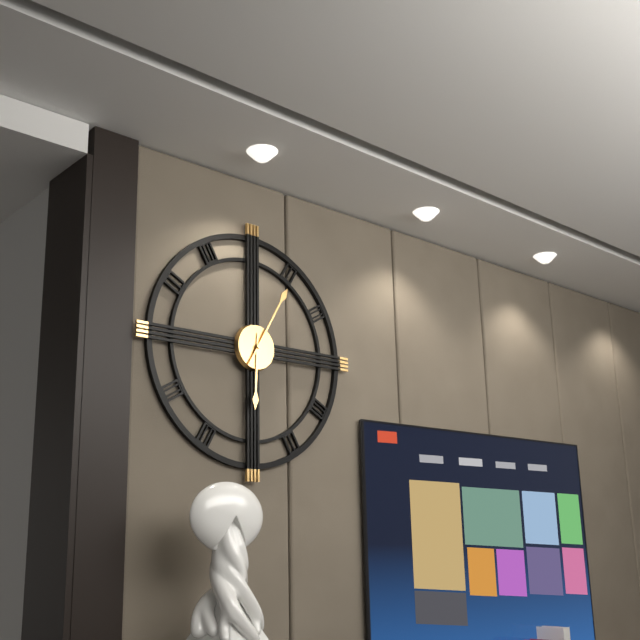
6:05
